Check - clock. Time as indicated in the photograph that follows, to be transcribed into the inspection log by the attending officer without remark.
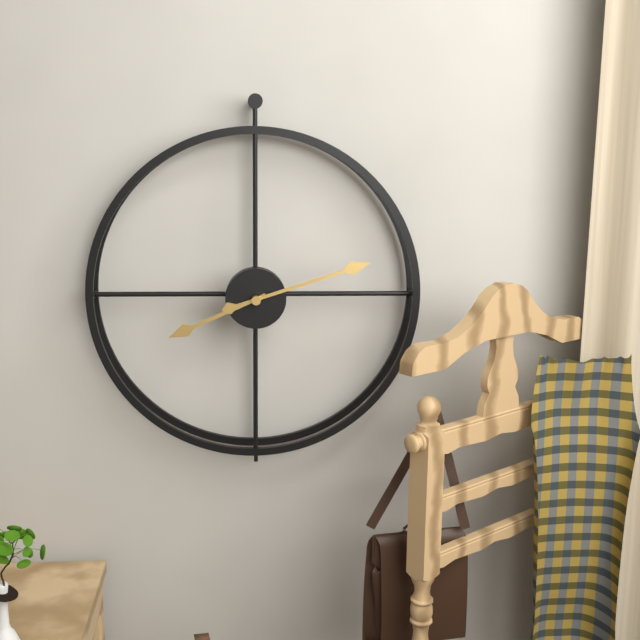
8:12
